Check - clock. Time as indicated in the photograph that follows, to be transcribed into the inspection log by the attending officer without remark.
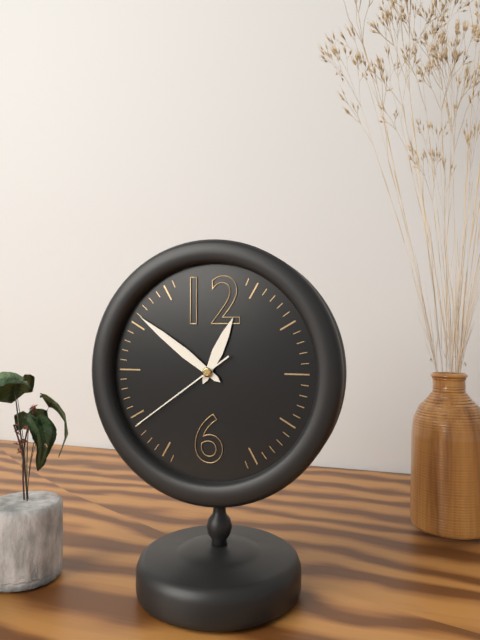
12:51:39
